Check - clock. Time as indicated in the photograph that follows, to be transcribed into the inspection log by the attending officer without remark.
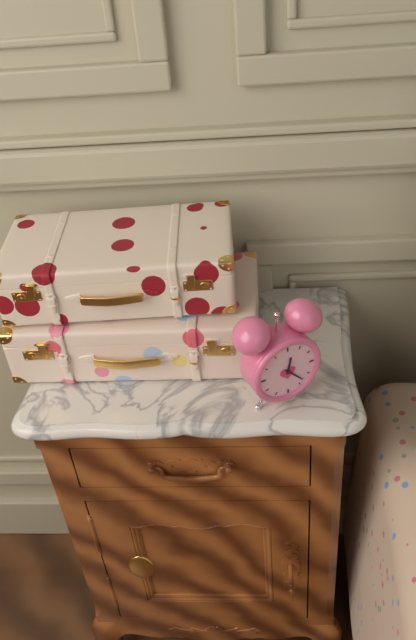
12:23
